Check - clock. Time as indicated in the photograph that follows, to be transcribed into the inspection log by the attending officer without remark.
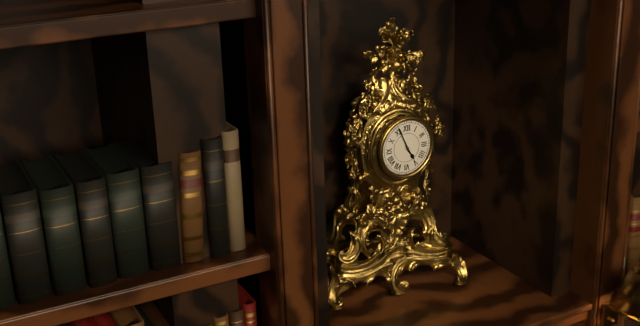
4:56
